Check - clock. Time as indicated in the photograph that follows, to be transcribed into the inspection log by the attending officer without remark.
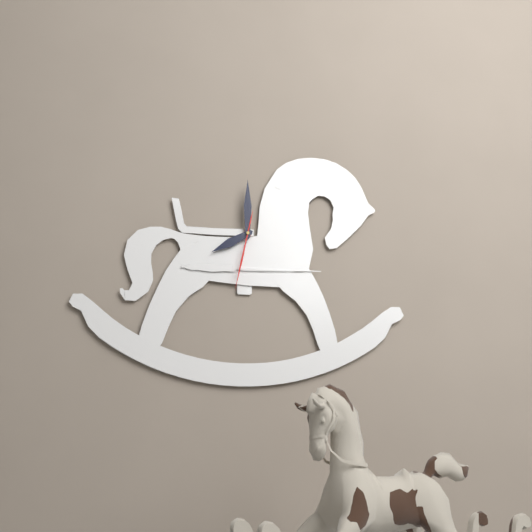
8:00:32
